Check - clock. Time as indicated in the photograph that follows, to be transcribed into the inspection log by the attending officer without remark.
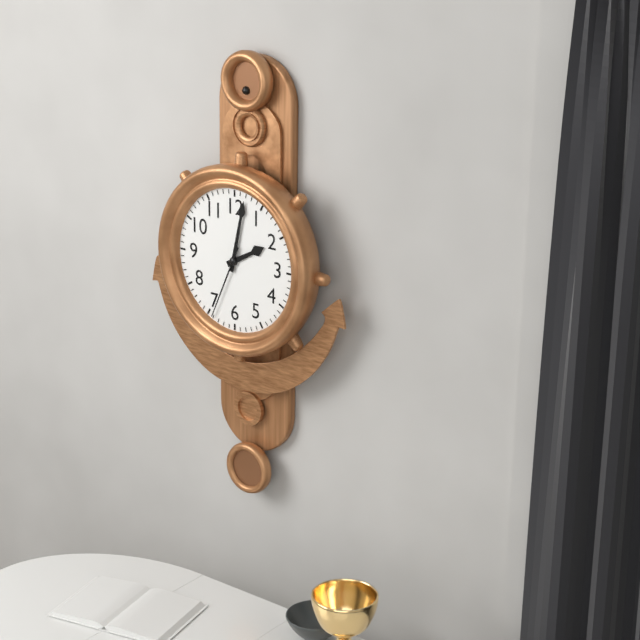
2:02:34
